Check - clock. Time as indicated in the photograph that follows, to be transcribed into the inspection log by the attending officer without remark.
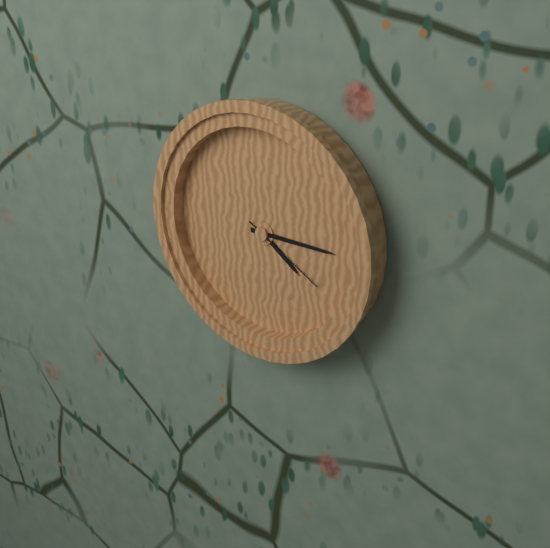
4:15:20
